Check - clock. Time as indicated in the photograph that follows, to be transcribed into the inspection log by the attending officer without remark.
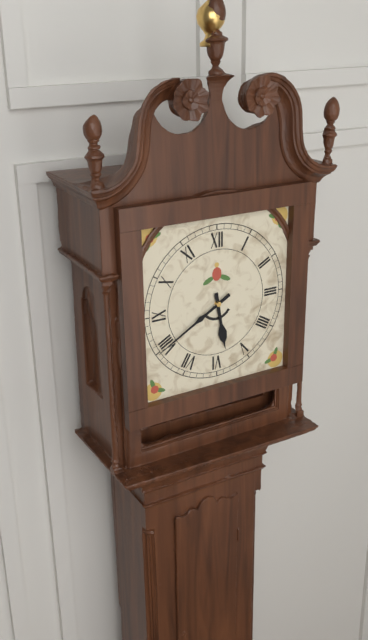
5:40
